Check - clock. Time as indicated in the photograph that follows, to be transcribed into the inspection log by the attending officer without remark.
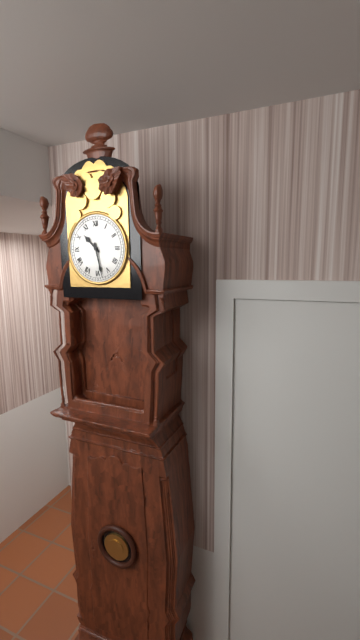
10:28
